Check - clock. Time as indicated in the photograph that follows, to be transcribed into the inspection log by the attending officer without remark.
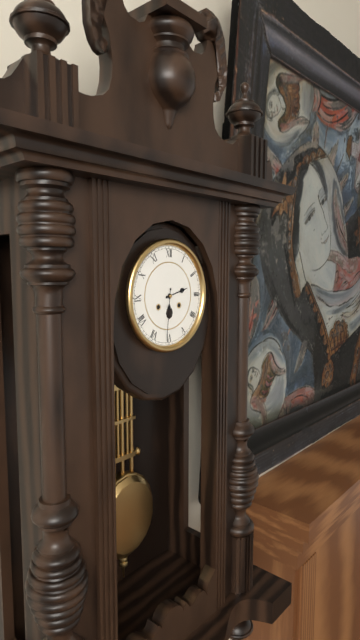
2:31
